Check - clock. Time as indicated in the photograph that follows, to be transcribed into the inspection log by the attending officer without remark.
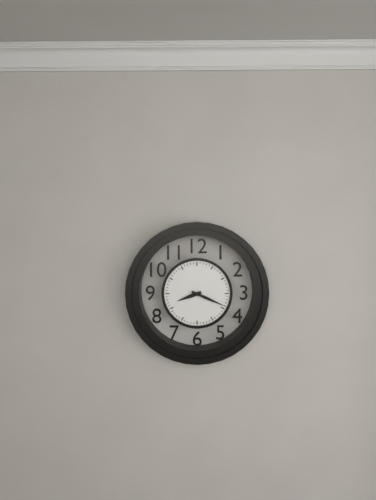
8:19
